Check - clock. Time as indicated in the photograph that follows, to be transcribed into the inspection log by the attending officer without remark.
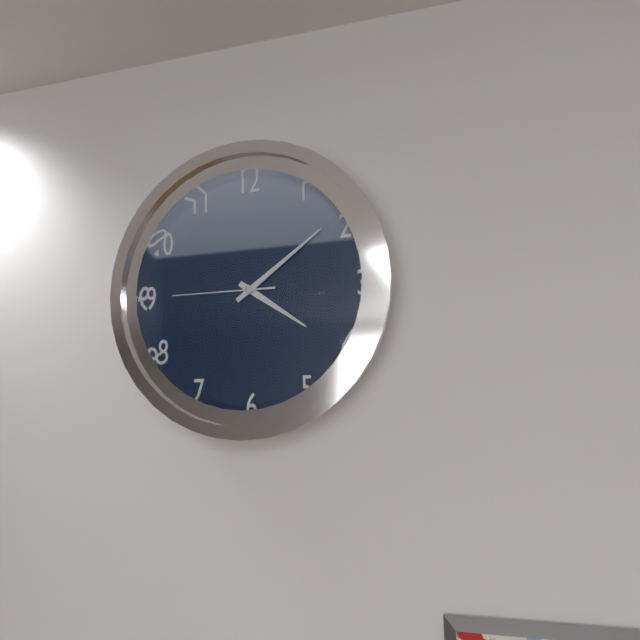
4:09:45
